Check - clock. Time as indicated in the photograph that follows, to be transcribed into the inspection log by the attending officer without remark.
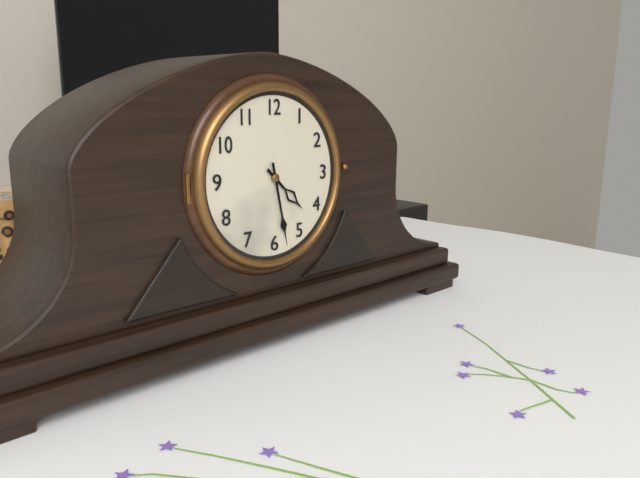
4:28
